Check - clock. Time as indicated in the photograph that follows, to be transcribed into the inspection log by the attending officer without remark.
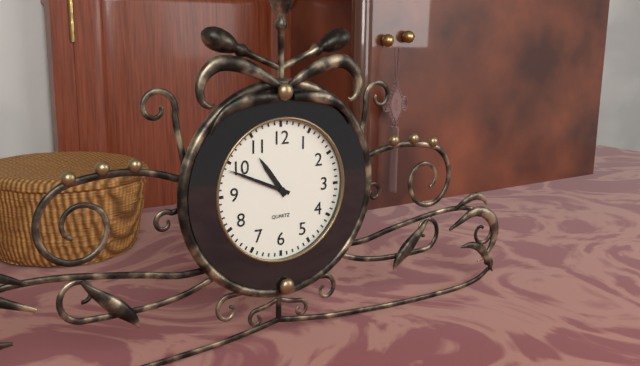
10:49
